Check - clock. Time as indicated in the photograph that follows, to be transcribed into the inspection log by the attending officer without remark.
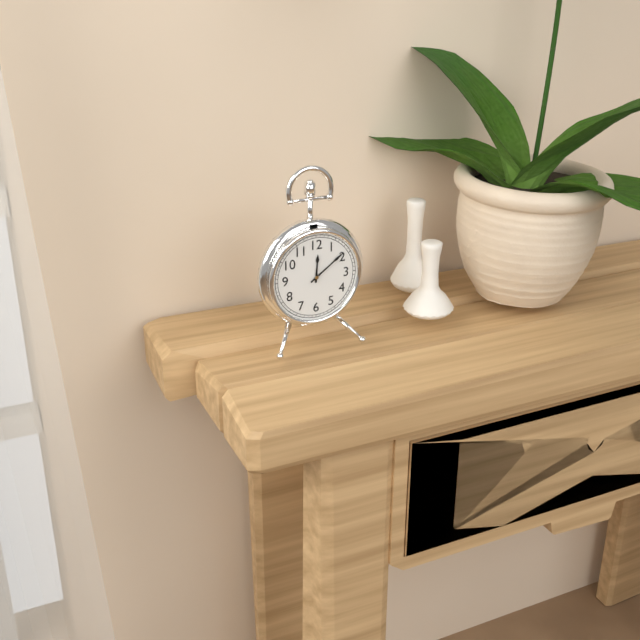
12:09
